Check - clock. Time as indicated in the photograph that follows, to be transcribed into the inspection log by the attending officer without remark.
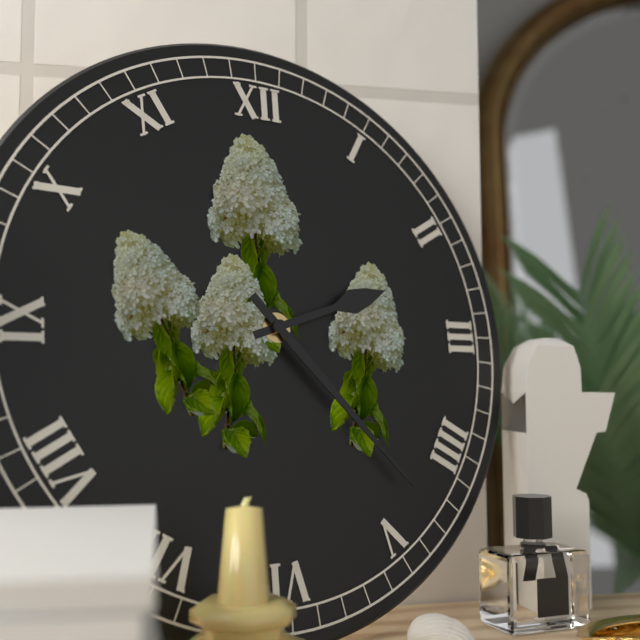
2:23
